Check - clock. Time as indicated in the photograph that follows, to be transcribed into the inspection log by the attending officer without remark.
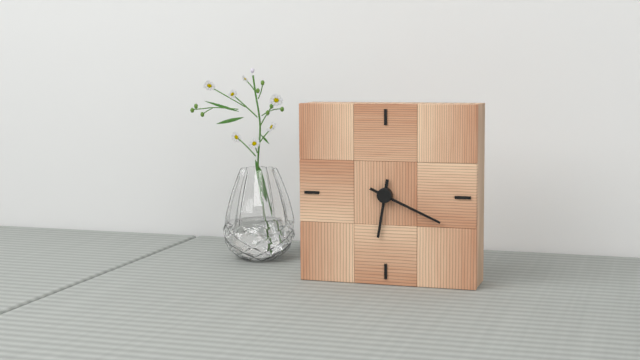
6:19
